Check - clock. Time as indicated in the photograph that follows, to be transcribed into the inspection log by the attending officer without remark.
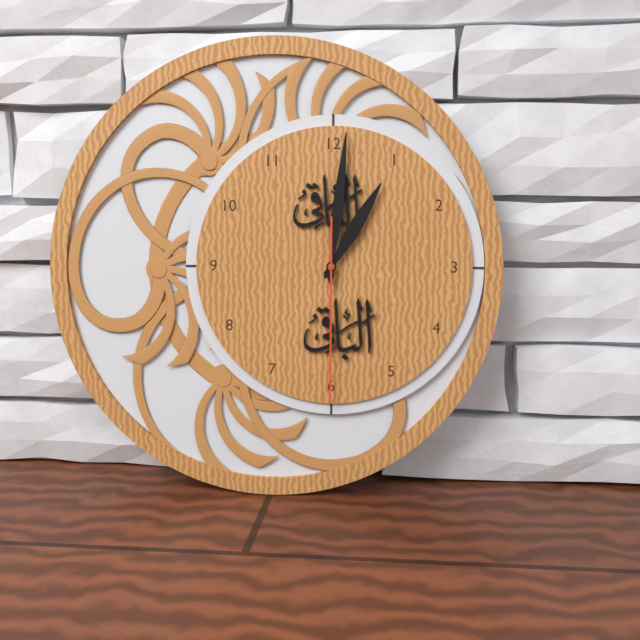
1:01:30
